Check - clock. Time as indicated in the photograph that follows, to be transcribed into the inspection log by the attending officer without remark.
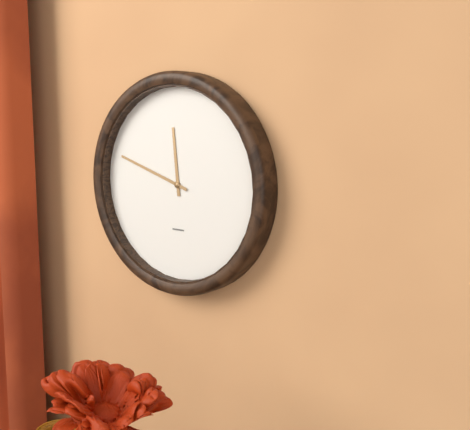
11:48
